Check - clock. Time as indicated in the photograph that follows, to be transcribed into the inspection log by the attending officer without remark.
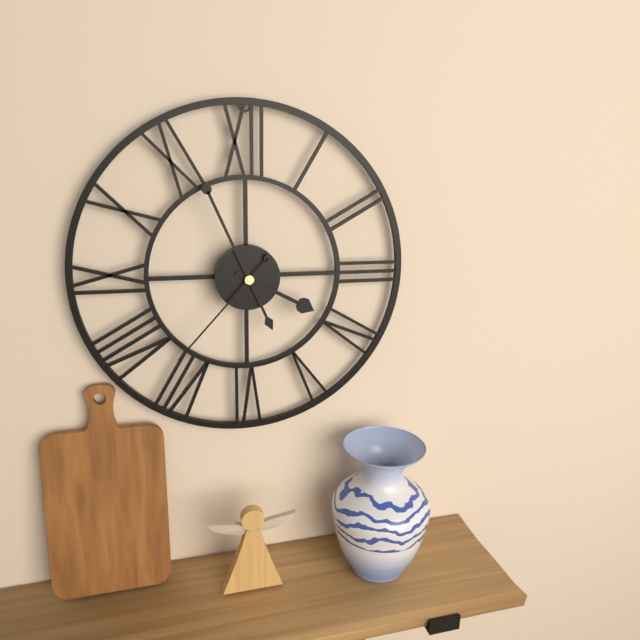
3:56:37
